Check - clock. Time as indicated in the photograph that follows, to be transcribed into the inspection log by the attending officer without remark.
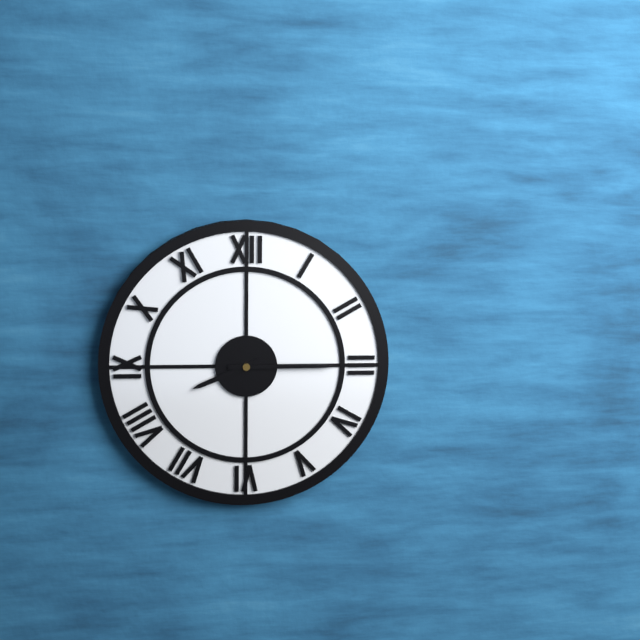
8:15
